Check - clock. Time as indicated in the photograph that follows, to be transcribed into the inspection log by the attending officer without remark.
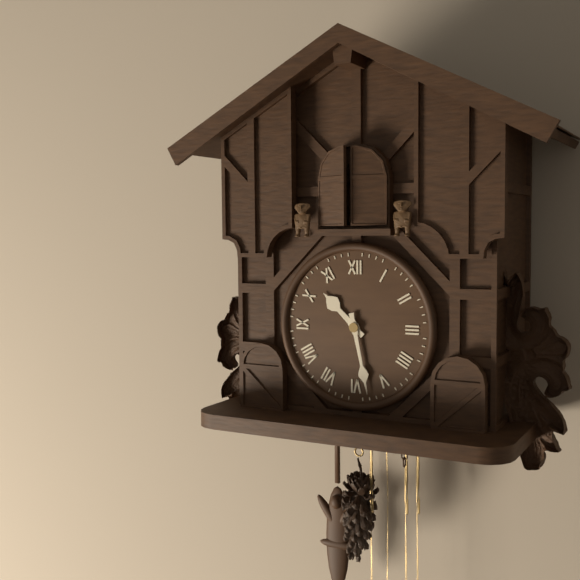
10:28
